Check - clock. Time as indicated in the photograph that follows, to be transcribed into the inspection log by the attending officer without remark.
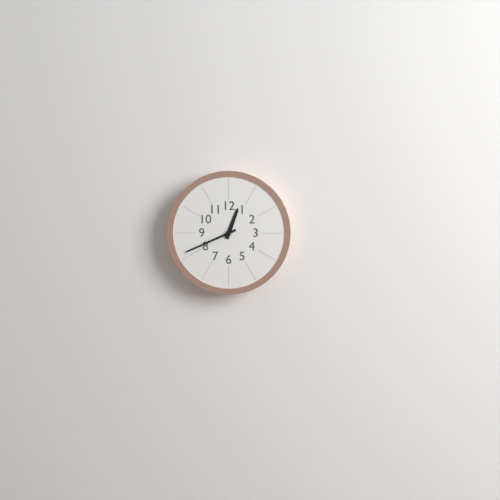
12:41
